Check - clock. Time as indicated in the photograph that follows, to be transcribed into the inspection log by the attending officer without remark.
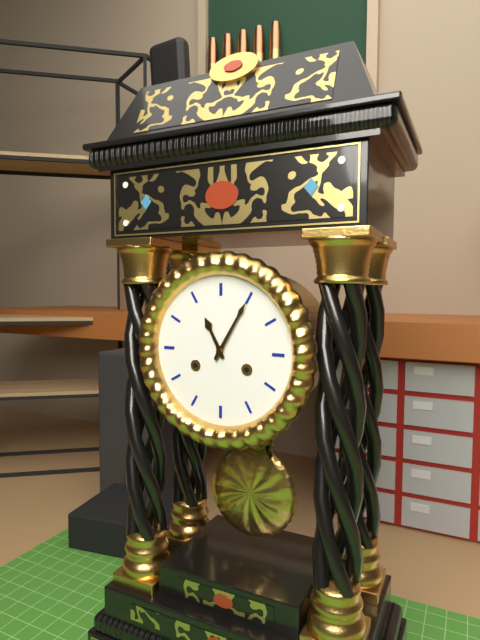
11:05
